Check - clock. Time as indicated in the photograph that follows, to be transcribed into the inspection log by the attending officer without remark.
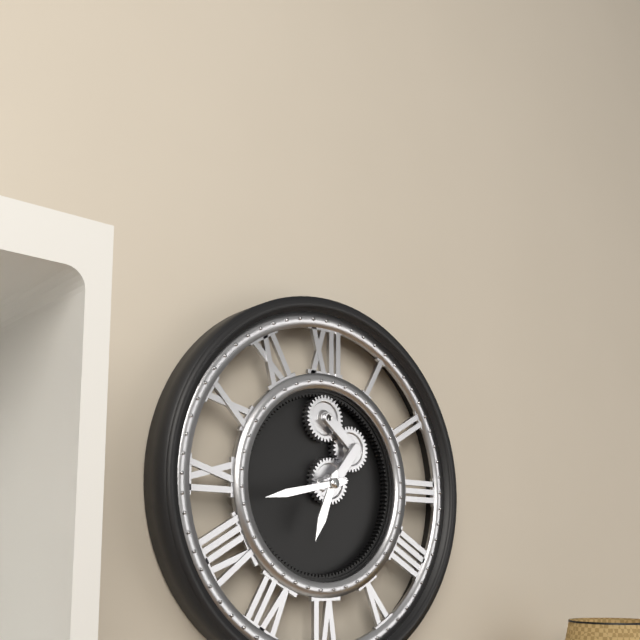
6:43
